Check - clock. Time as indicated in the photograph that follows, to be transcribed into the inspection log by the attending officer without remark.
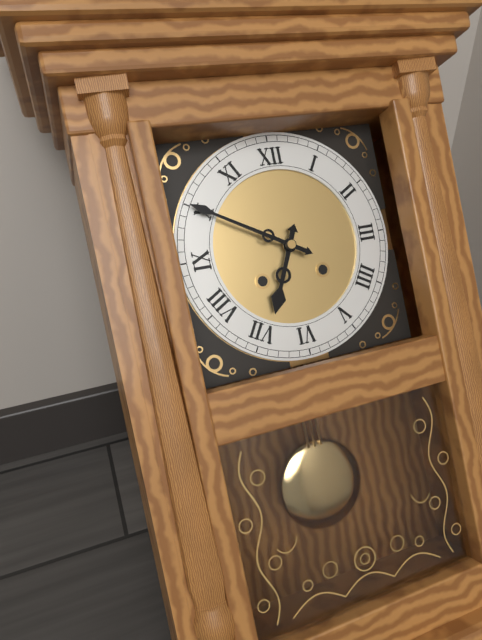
6:50
